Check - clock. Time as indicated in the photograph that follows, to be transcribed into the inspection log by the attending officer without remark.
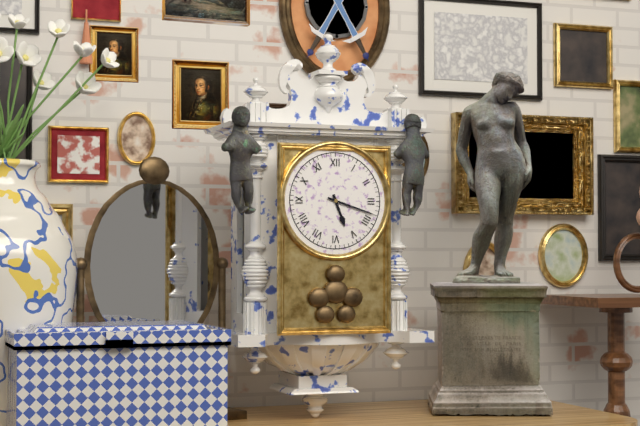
5:18
